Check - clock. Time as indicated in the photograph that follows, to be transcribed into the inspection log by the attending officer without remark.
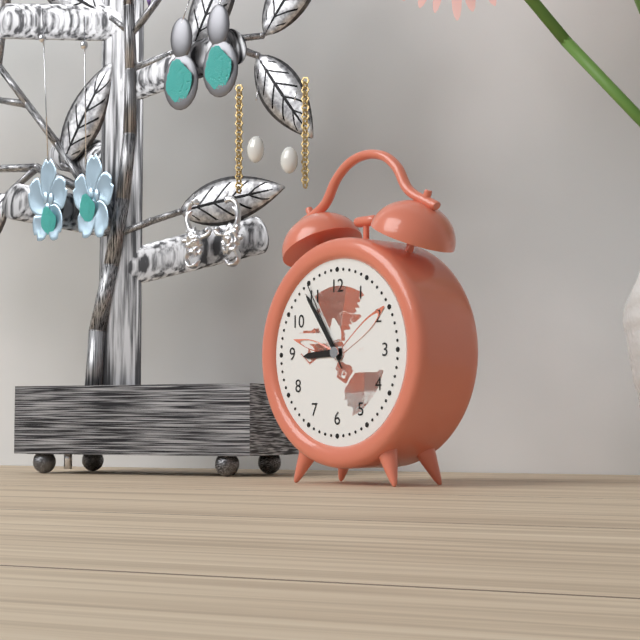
8:54:55
